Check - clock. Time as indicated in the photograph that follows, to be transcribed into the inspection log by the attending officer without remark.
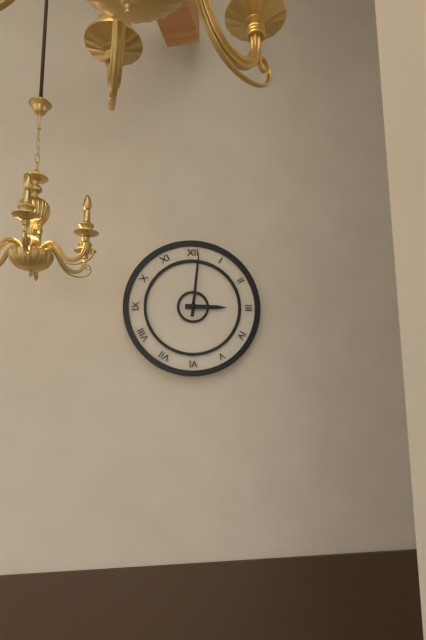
3:01
